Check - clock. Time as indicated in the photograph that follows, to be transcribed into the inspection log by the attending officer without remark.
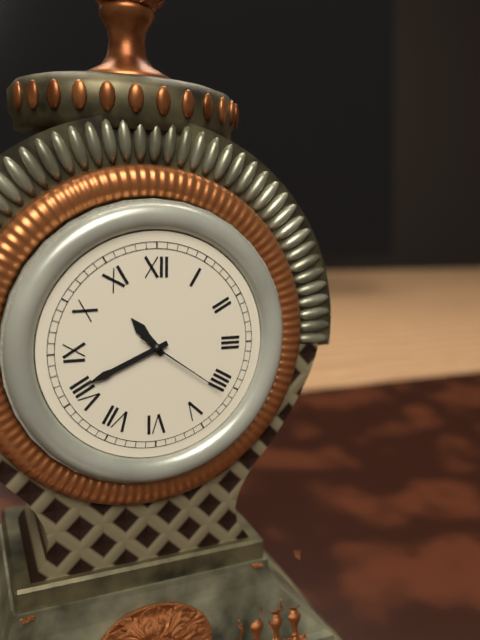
10:41:21
